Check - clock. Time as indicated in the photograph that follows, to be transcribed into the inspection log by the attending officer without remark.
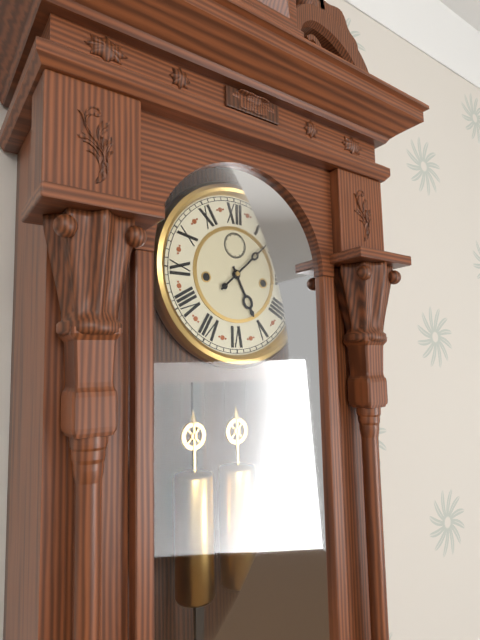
5:08
